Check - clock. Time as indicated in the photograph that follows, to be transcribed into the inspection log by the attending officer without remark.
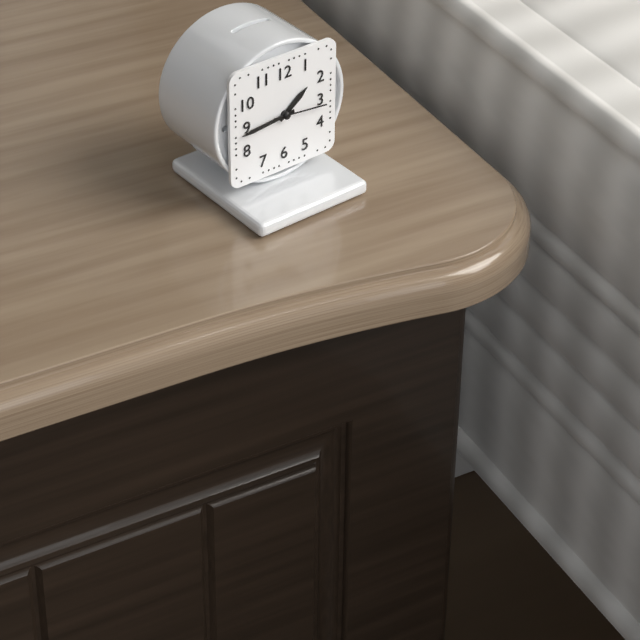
1:44:16
